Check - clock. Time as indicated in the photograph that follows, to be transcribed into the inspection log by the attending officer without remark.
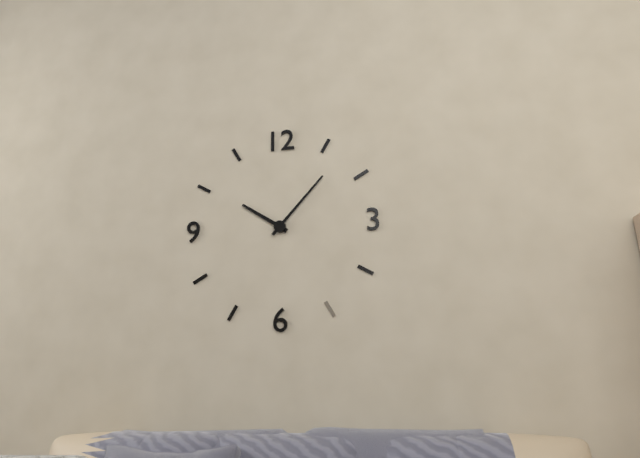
10:07
